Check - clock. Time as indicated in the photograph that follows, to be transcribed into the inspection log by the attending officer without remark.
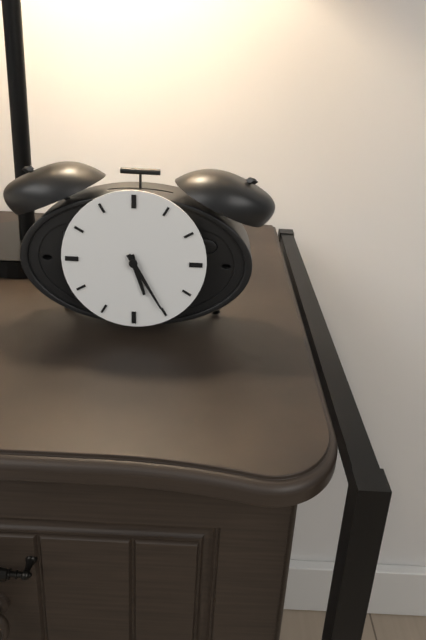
5:25
